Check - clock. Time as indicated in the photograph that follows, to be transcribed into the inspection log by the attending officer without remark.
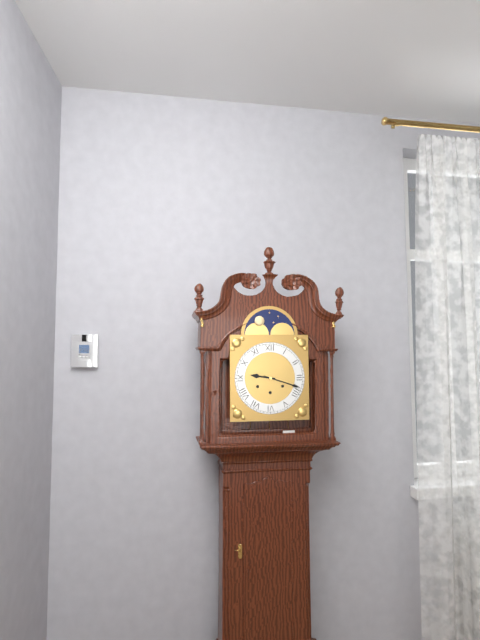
9:18
